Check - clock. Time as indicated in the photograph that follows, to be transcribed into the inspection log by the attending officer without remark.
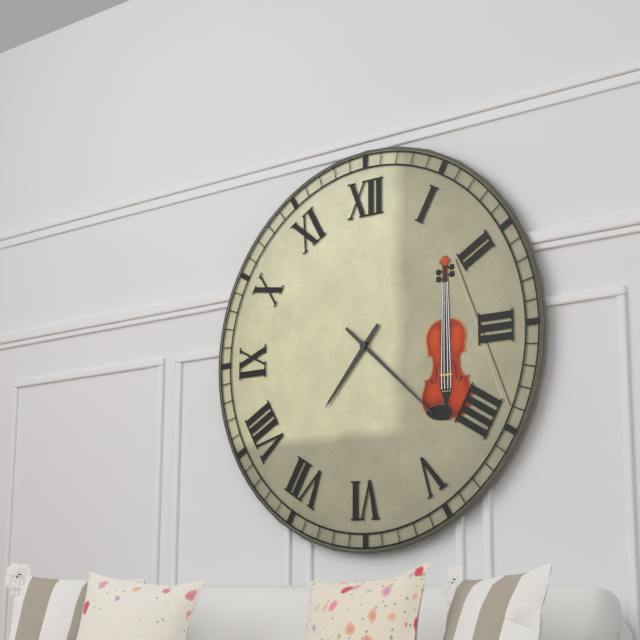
7:22
